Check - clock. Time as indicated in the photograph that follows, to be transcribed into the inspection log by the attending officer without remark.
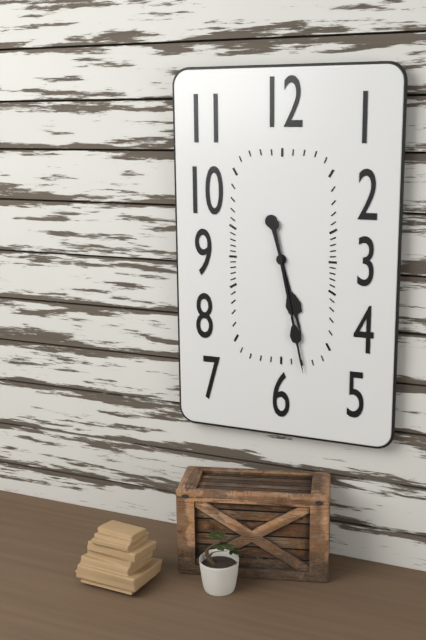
5:28
